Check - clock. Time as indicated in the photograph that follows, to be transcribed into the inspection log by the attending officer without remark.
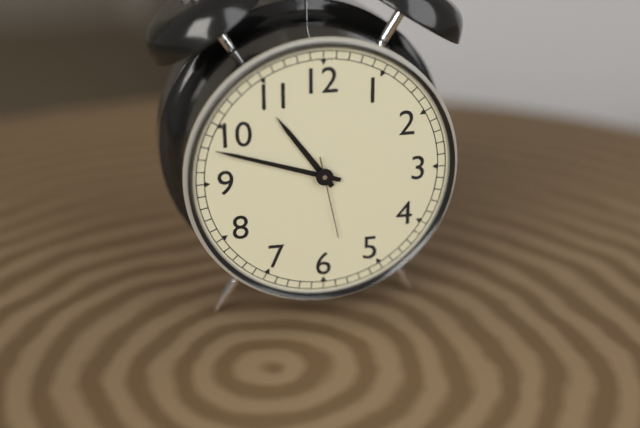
10:48:28
